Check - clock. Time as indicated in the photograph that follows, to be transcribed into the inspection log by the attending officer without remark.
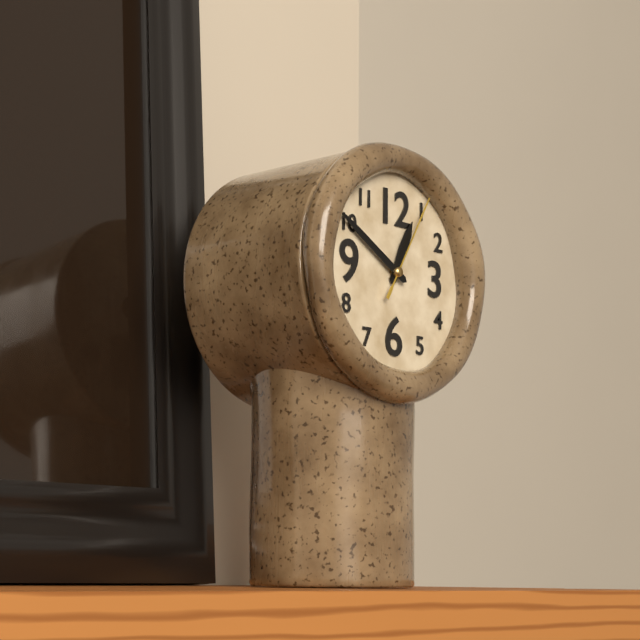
12:50:05
